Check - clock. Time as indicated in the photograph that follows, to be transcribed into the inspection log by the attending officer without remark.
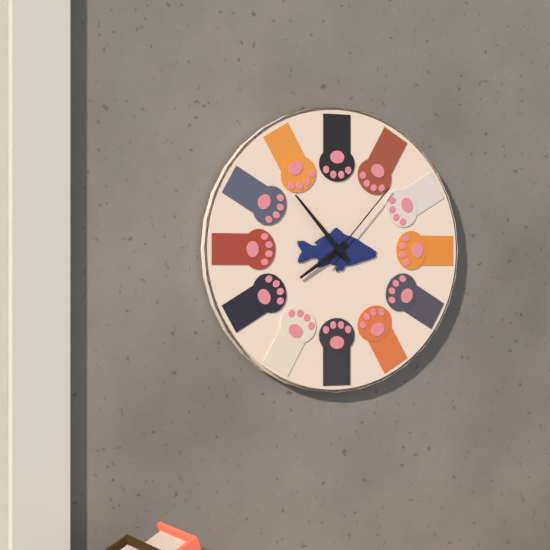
7:53:07
